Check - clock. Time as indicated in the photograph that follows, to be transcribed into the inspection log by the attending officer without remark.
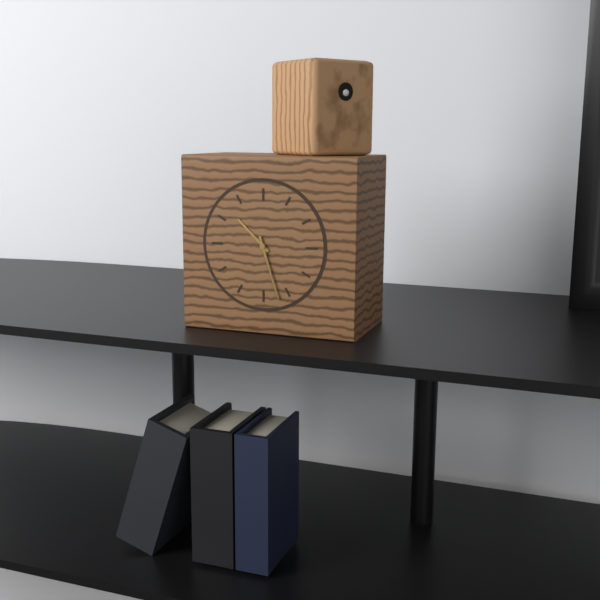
10:27
